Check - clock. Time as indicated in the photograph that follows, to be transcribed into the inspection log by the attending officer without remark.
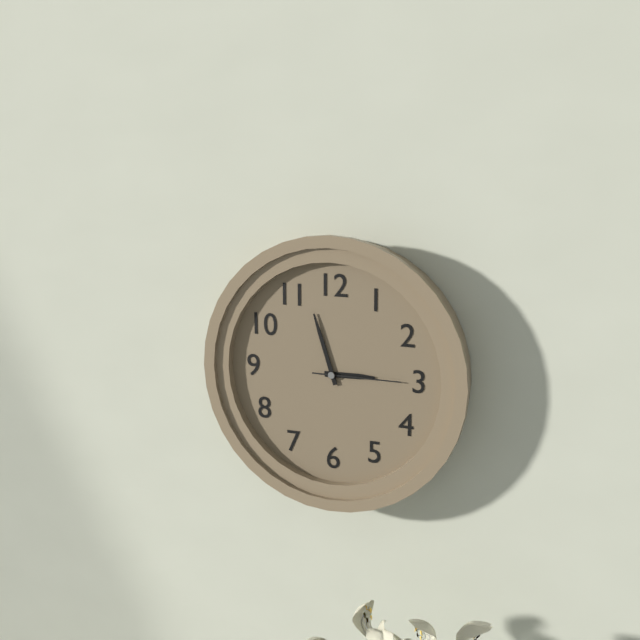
2:57:15
